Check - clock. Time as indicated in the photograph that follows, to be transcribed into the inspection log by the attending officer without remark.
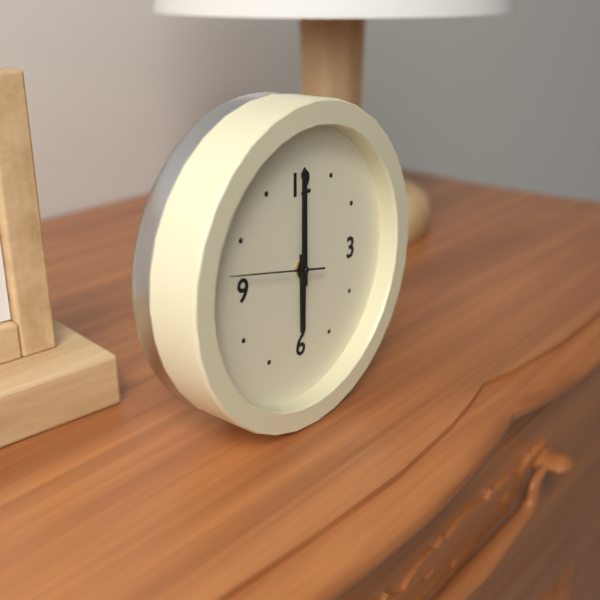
6:00:47
